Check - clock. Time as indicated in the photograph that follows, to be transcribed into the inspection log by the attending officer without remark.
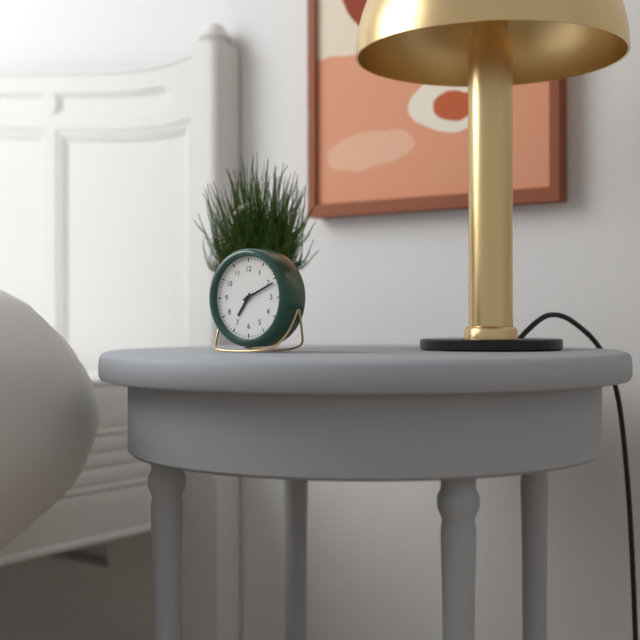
7:11
